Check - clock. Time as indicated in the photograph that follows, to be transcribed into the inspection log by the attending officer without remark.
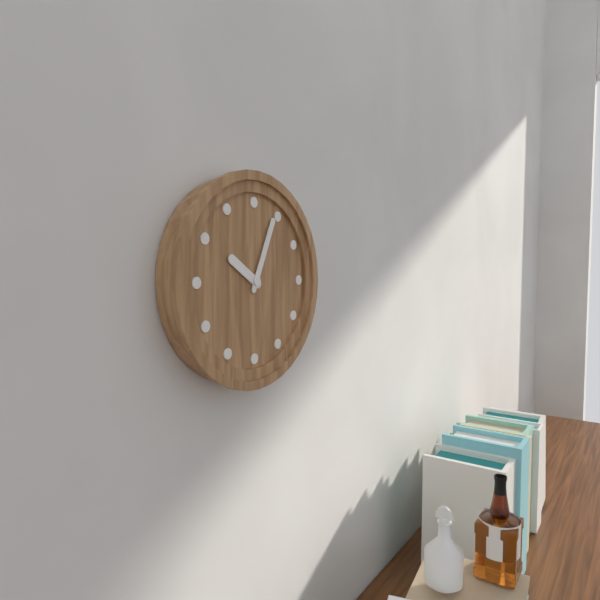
10:04
